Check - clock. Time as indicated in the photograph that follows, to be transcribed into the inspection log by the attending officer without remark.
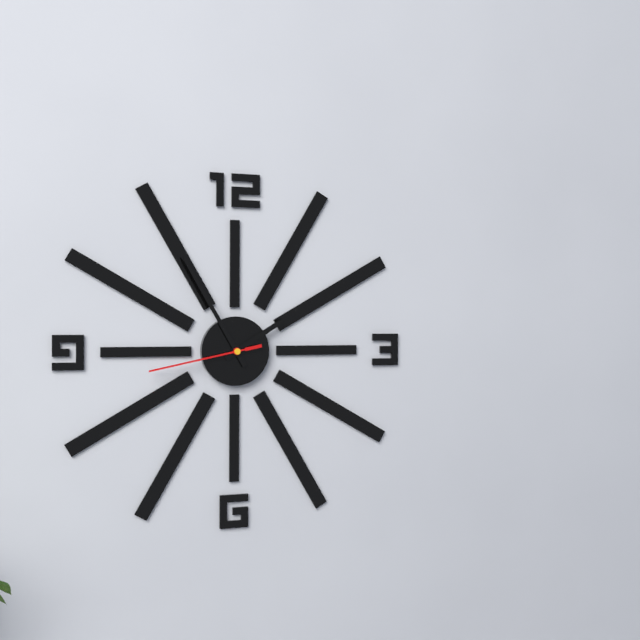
1:55:43
